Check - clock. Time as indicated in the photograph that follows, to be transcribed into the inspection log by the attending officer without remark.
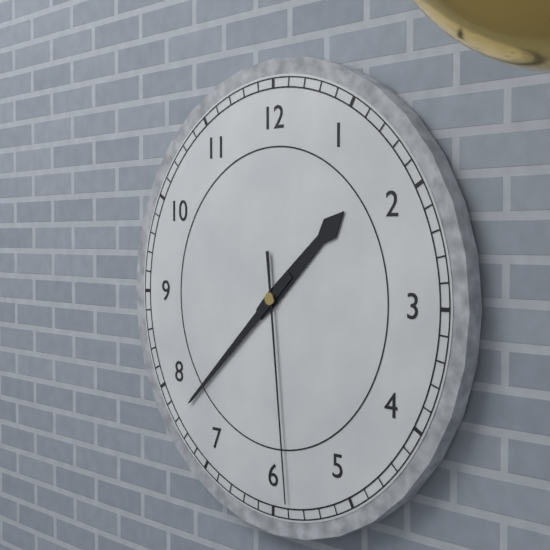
1:38:29
